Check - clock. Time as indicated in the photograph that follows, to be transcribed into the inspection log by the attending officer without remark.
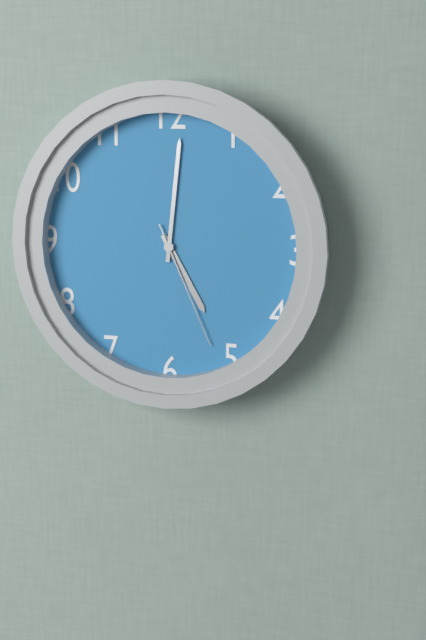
5:01:26
